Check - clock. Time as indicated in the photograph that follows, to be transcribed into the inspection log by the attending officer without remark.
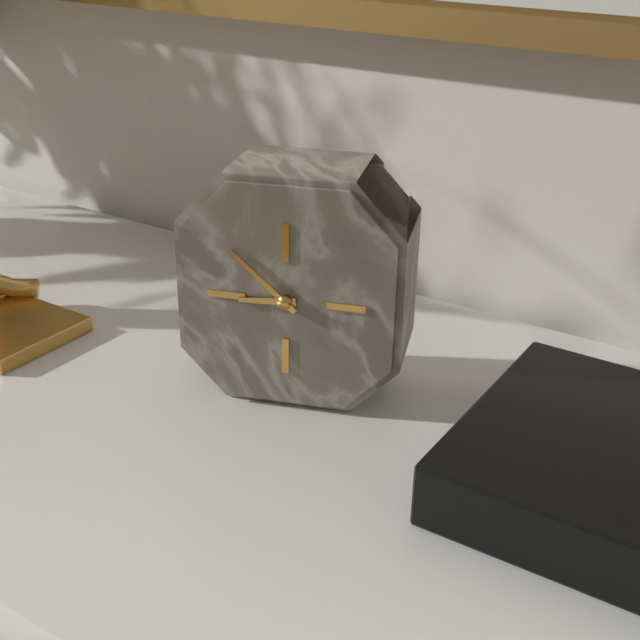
8:52
